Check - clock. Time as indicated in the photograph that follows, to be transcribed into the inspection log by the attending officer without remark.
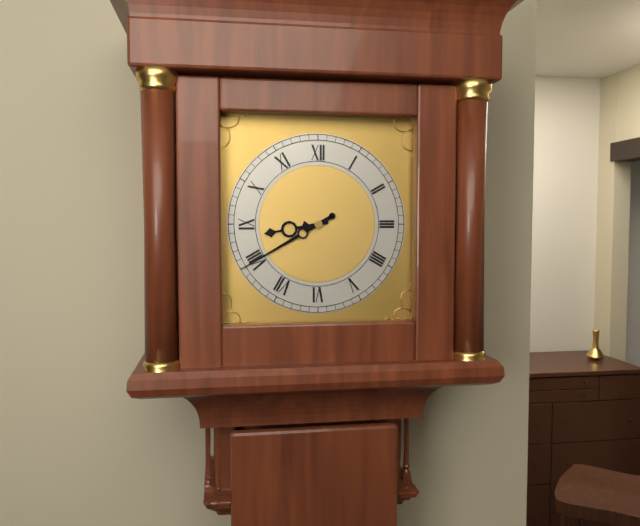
8:40
